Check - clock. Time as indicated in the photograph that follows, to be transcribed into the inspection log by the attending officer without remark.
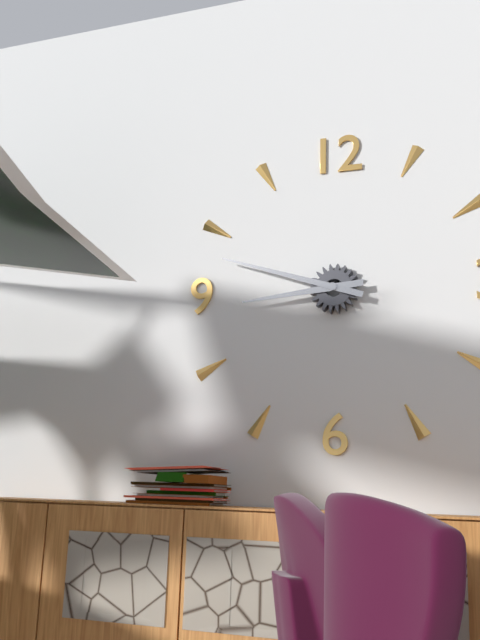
8:48
